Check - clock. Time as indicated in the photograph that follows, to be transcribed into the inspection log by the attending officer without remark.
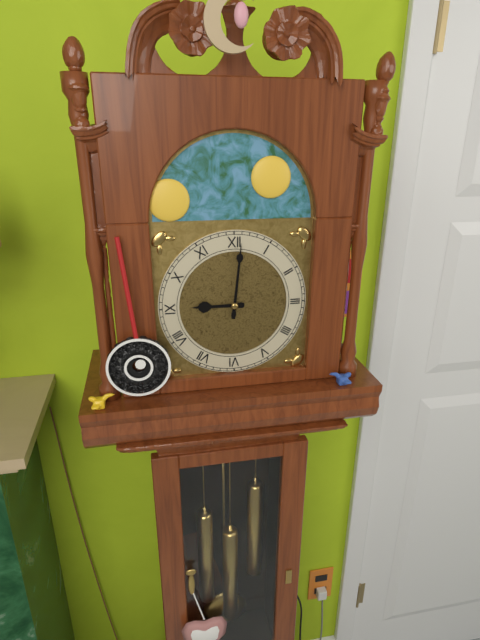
9:01
